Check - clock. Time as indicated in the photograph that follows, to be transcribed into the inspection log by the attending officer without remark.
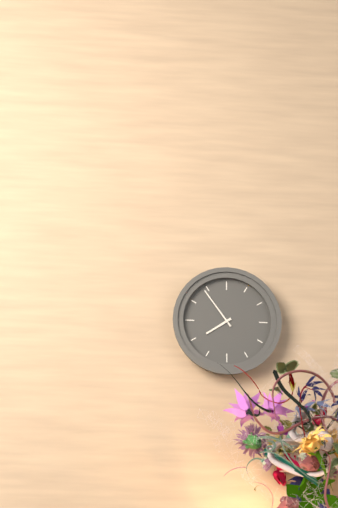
7:54
